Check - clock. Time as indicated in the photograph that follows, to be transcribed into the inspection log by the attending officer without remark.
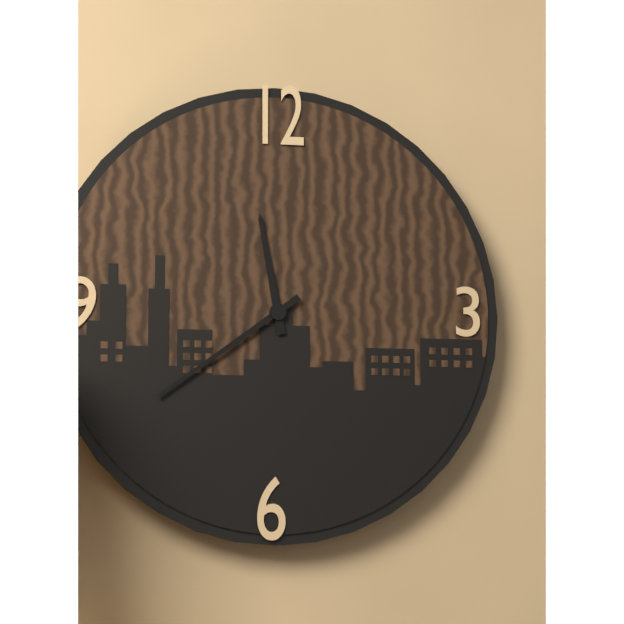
11:39
